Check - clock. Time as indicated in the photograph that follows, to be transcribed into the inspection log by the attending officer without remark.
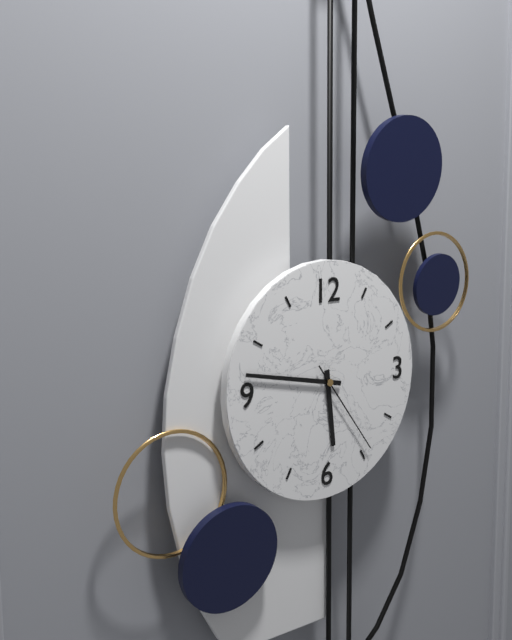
5:47:24
